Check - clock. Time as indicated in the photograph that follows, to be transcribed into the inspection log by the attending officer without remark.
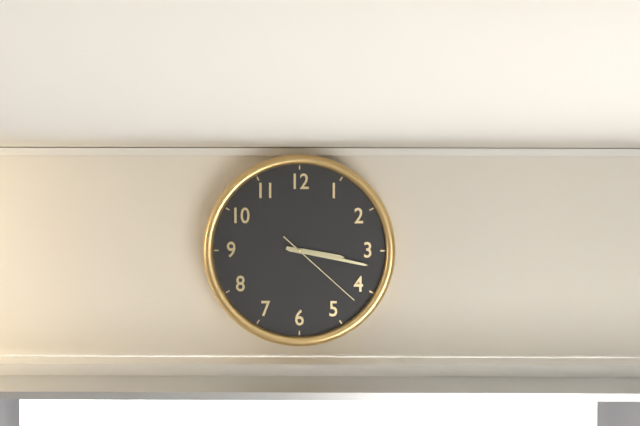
3:17:22
